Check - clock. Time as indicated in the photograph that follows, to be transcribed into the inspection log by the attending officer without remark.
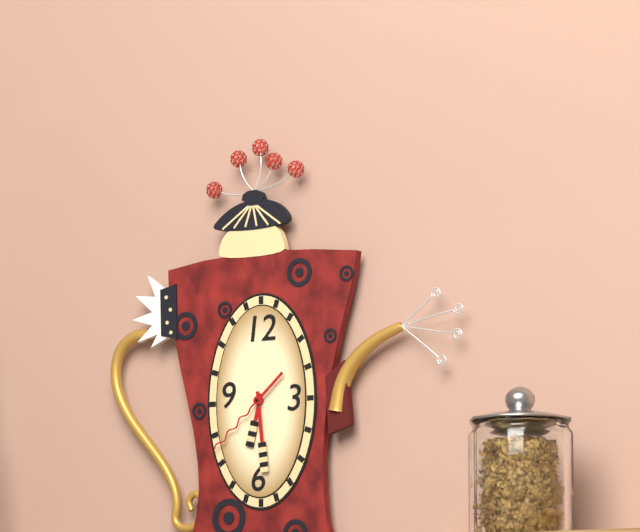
6:29:38
